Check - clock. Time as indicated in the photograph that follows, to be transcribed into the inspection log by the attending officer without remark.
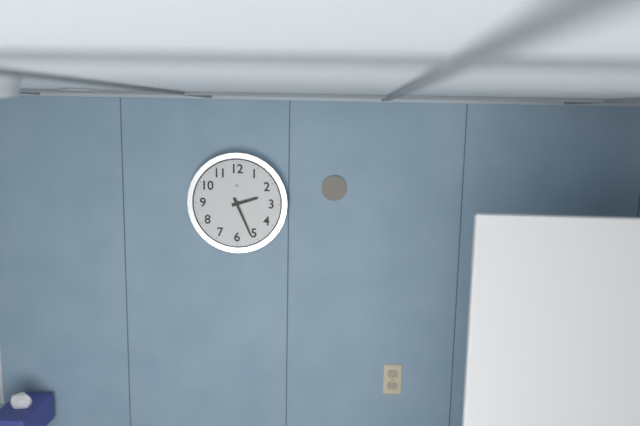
2:26
